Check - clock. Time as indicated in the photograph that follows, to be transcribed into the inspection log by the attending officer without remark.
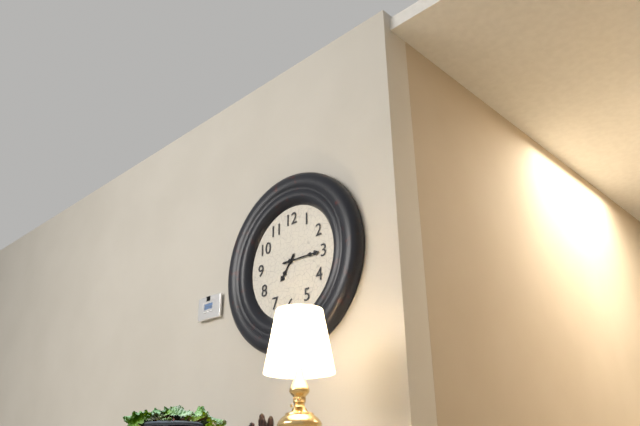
7:15
